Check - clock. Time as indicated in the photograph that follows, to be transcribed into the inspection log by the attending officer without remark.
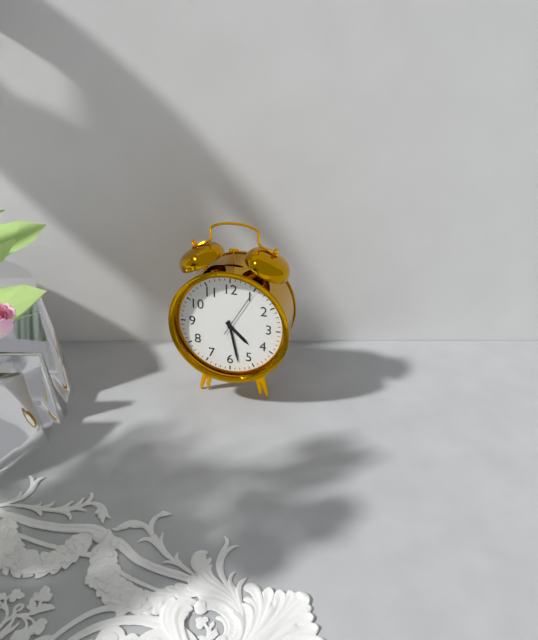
4:28:05
